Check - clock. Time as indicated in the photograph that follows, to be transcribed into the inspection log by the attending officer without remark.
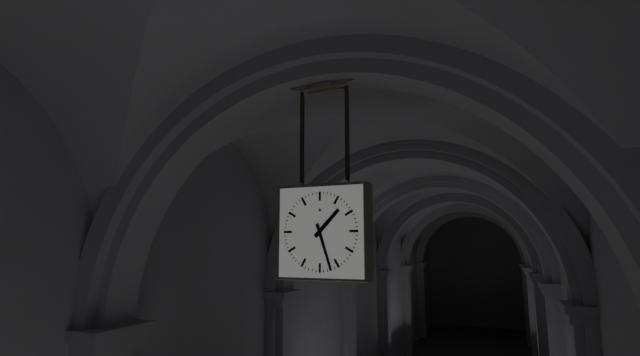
1:27
